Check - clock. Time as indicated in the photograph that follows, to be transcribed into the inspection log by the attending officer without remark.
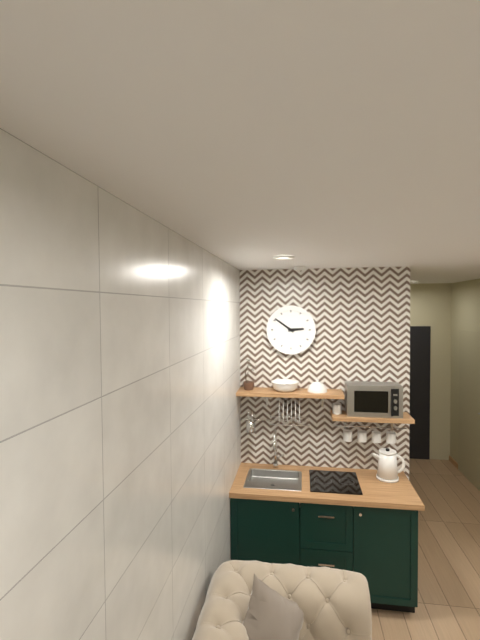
2:51
